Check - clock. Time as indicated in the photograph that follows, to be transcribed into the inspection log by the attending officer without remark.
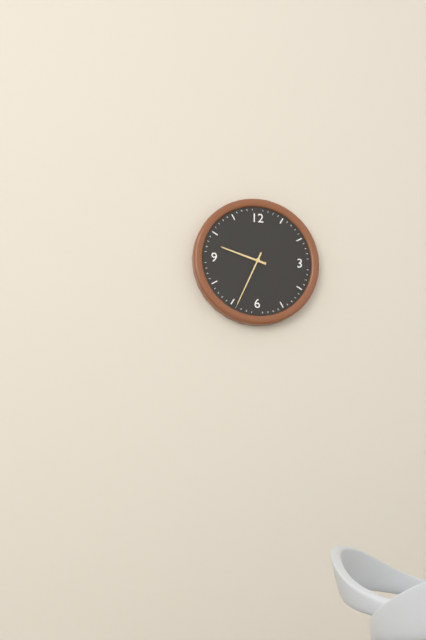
9:34
